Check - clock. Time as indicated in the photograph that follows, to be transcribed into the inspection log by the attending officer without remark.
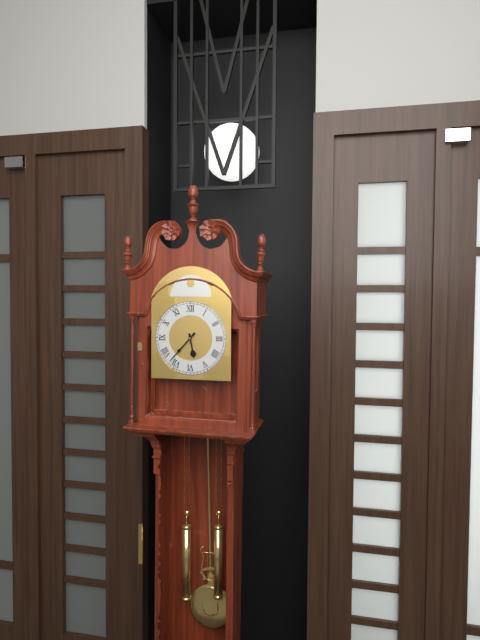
5:37
